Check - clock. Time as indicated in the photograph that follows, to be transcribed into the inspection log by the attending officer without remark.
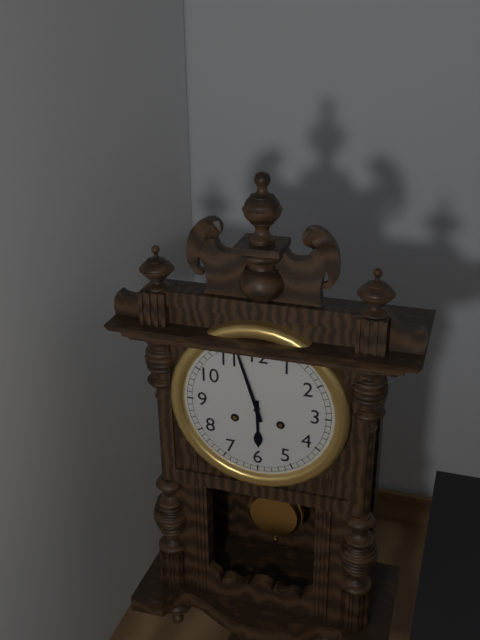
5:57
